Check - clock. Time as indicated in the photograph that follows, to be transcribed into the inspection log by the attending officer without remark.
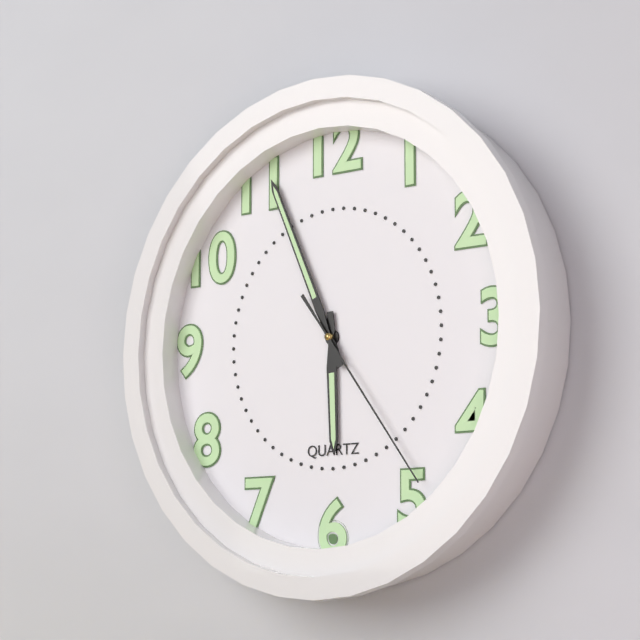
5:56:24
